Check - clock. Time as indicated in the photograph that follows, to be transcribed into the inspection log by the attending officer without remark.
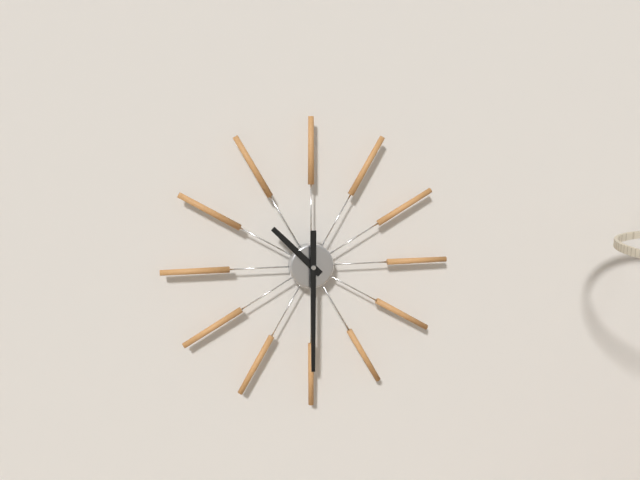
10:30
